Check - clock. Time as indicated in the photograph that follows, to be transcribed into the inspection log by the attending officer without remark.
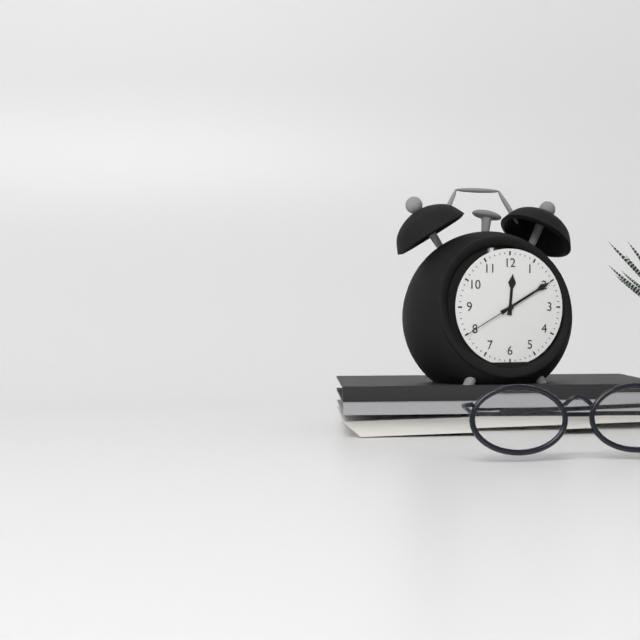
12:10:40
